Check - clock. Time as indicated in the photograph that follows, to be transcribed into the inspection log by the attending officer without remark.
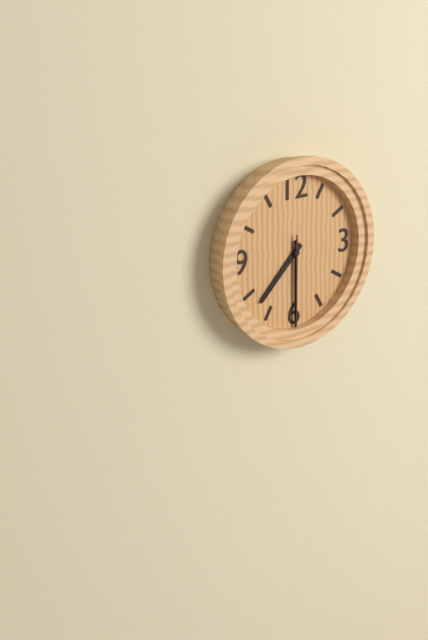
7:30:30
